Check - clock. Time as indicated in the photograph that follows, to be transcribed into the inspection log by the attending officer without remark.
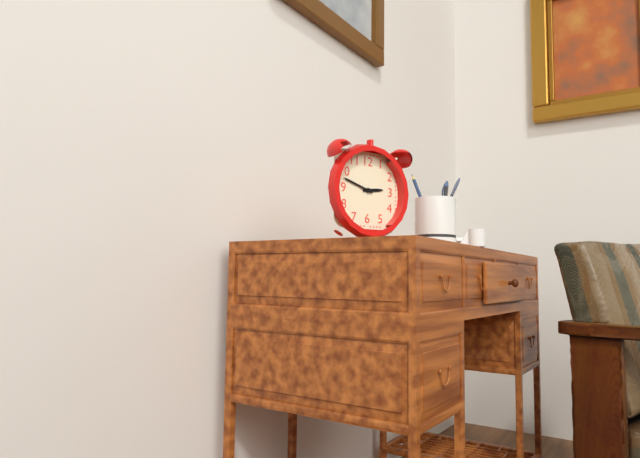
2:48
